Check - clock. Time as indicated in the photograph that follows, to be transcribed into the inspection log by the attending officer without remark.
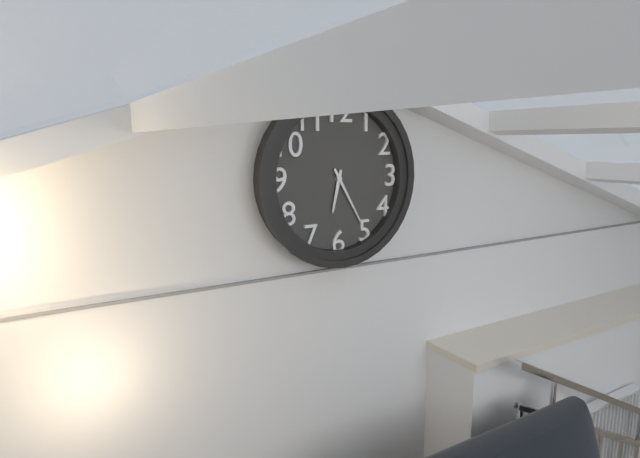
6:25
